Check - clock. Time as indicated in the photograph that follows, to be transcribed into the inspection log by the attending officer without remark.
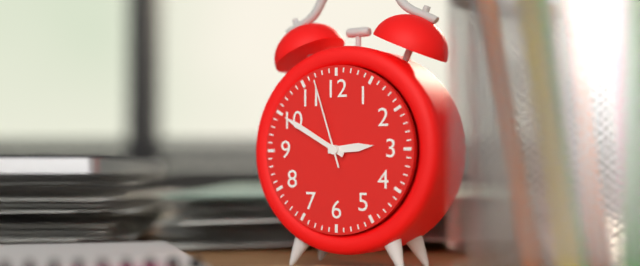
2:50:57
